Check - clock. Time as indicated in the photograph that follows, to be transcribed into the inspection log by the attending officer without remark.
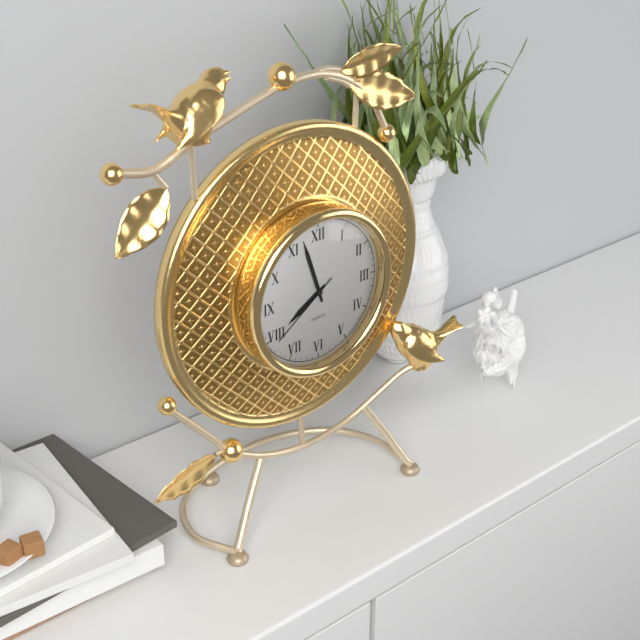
7:57:39
